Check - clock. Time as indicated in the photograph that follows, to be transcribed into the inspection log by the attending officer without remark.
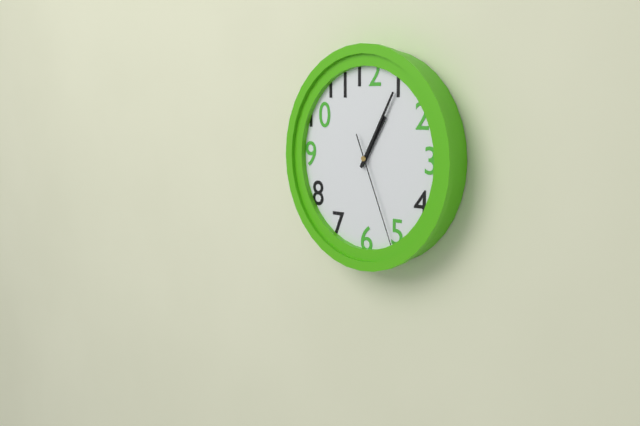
1:05:26
